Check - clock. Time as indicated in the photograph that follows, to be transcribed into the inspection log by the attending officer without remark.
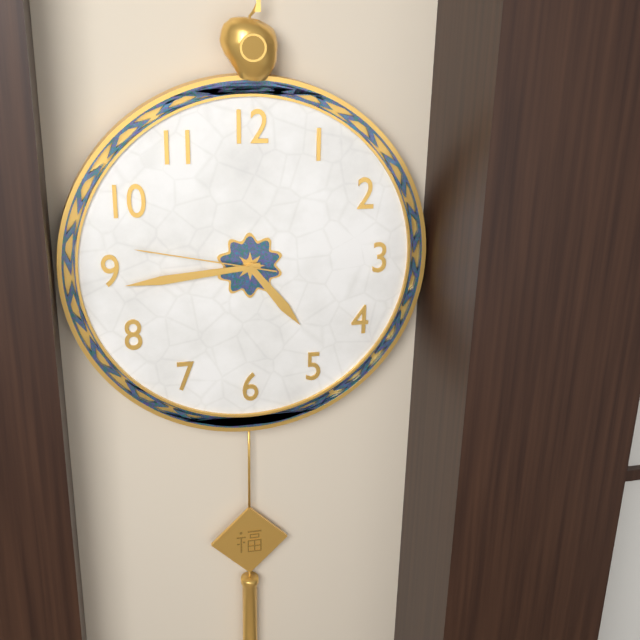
4:44:47
